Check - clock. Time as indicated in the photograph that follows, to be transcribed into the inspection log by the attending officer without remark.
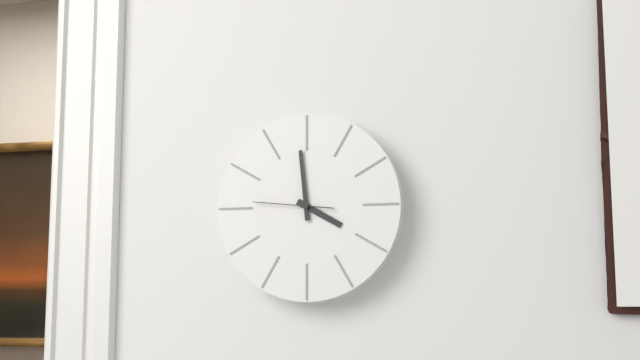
3:59:46
